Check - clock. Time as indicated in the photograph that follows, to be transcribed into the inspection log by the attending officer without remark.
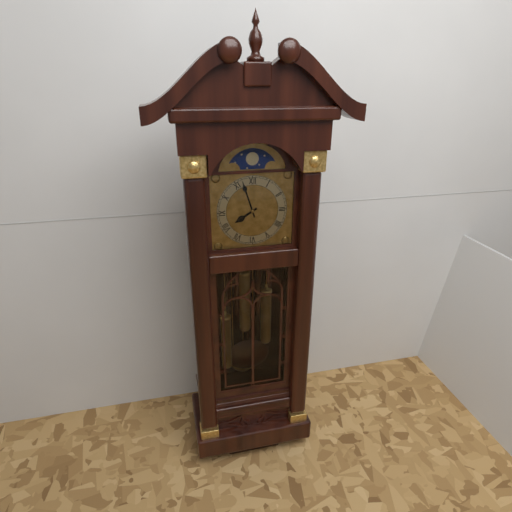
7:57
